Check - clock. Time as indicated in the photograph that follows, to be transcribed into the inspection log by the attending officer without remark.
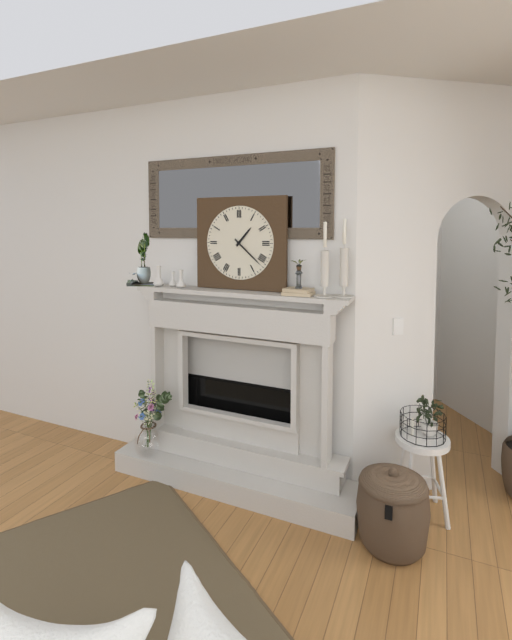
1:22
